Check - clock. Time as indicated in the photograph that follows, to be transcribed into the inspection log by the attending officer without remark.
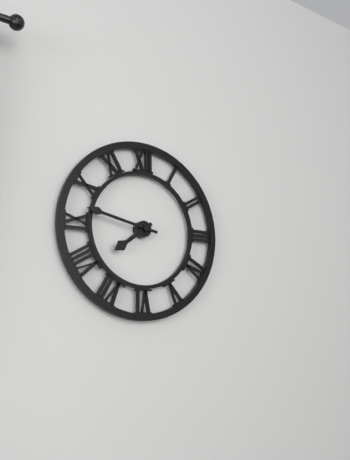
7:47
